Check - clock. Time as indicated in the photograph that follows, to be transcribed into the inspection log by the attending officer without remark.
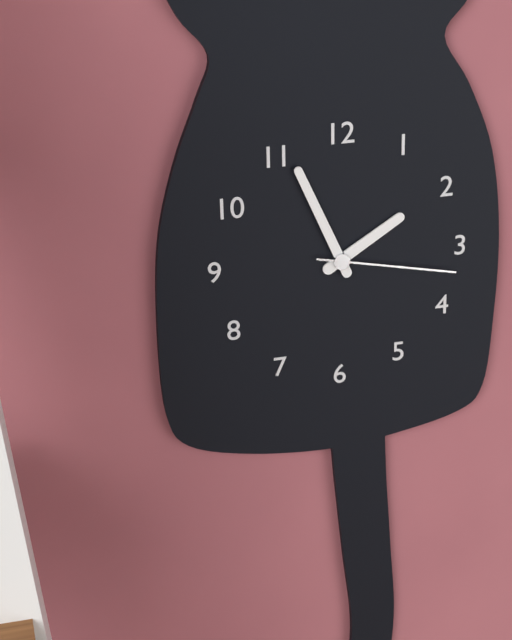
1:56:17
